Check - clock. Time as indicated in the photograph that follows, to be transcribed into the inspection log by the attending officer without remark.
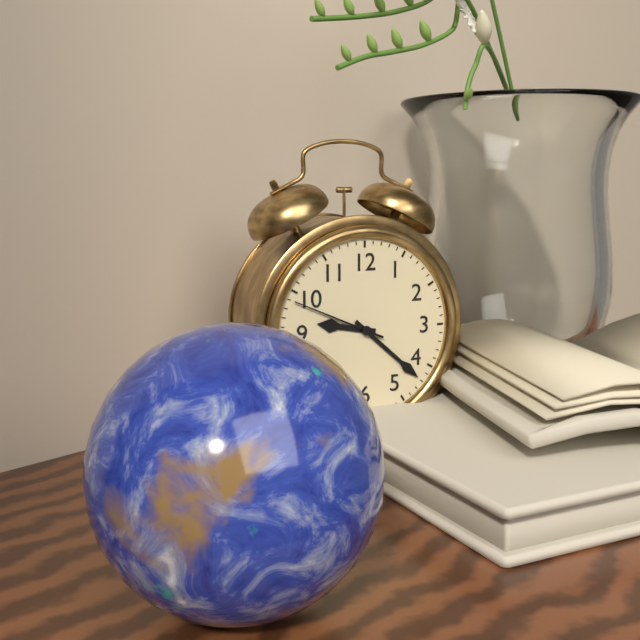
9:22:49
